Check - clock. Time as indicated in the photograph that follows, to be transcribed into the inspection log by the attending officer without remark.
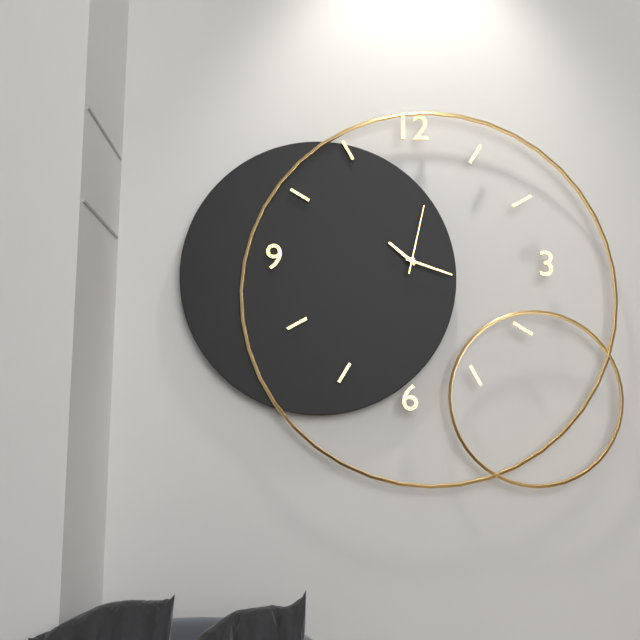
10:18:02
